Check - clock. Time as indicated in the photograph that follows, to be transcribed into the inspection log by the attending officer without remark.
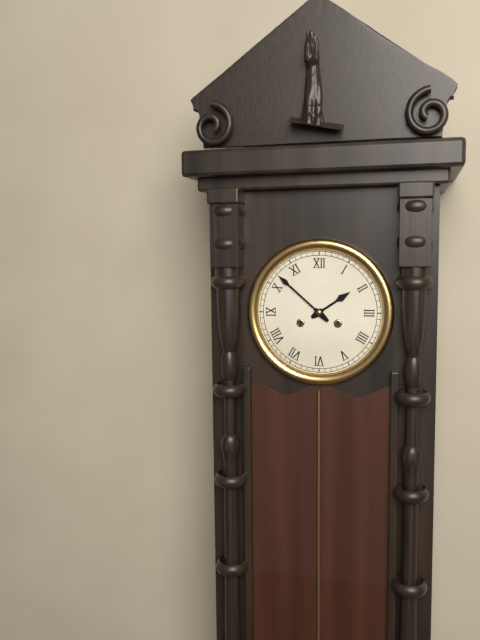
1:52
